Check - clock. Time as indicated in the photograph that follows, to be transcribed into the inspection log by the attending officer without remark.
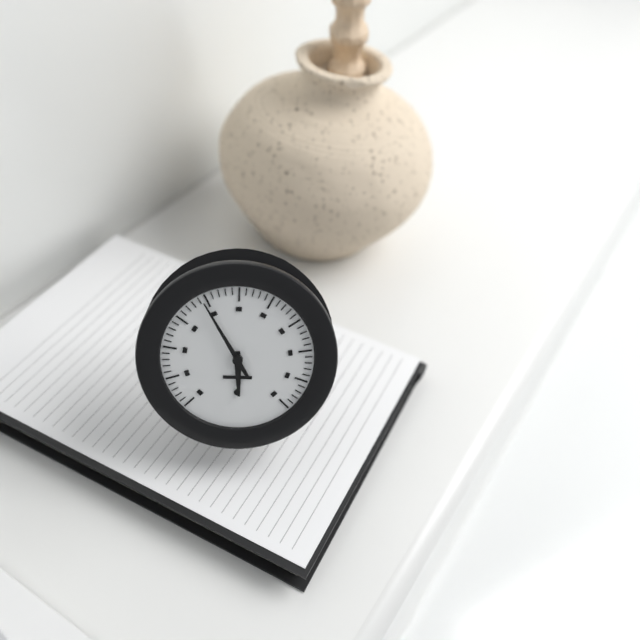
5:55
